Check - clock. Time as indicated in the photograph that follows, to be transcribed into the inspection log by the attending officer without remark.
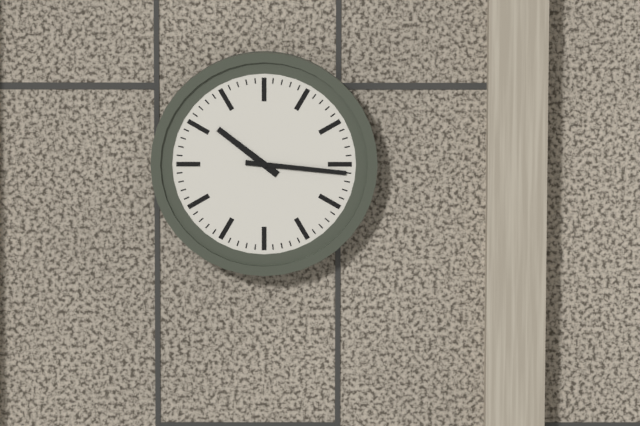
10:16
